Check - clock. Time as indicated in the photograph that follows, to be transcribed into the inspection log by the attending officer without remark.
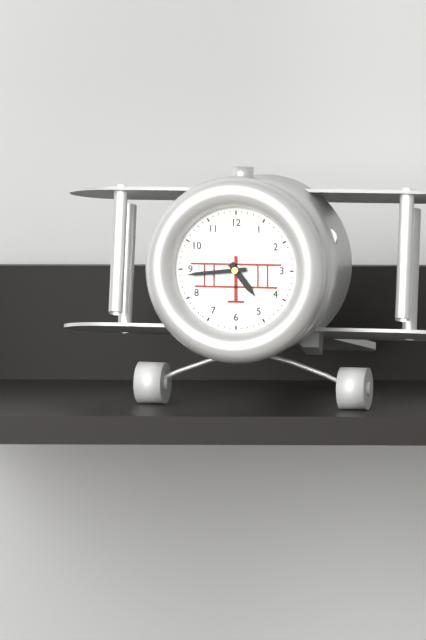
4:44
